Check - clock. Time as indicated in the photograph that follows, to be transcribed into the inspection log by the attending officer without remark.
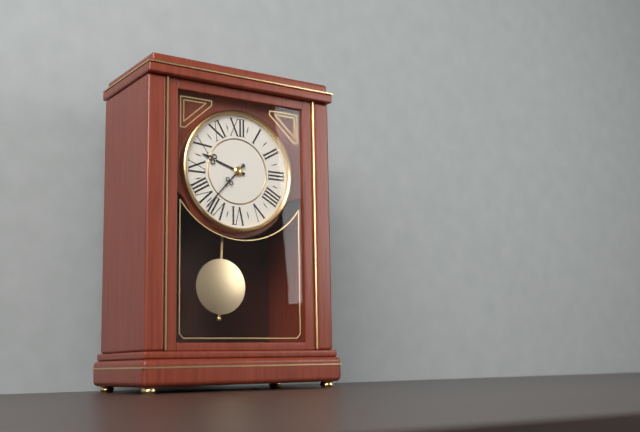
9:37
